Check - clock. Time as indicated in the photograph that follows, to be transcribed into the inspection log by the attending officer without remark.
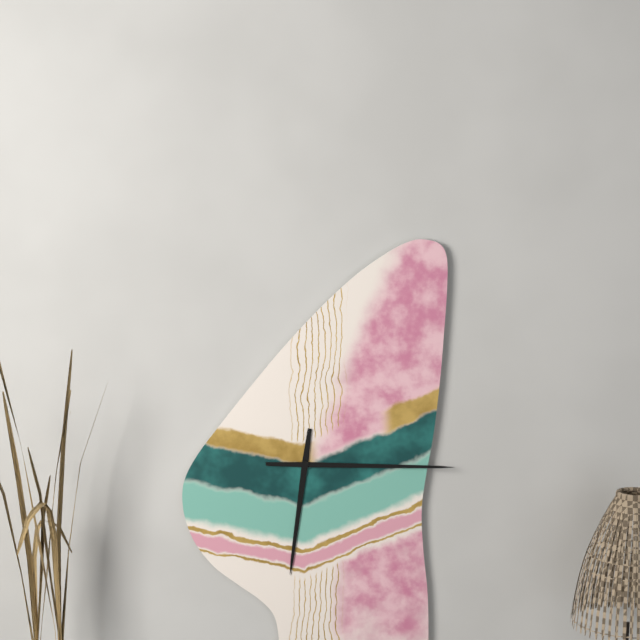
6:15
